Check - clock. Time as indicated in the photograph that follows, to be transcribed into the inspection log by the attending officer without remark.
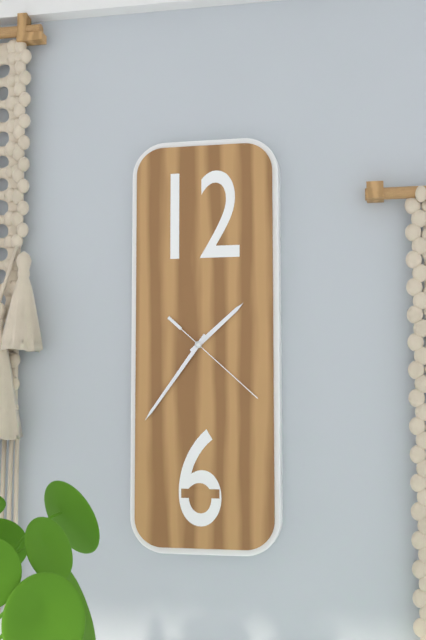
1:36:22
